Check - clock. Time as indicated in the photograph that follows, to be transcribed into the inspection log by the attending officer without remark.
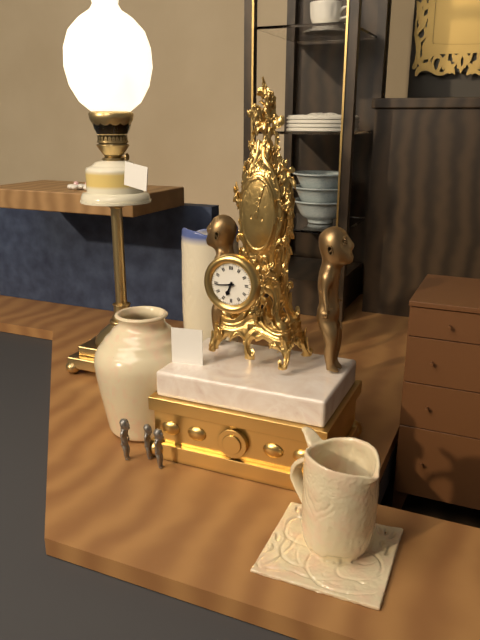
6:44
